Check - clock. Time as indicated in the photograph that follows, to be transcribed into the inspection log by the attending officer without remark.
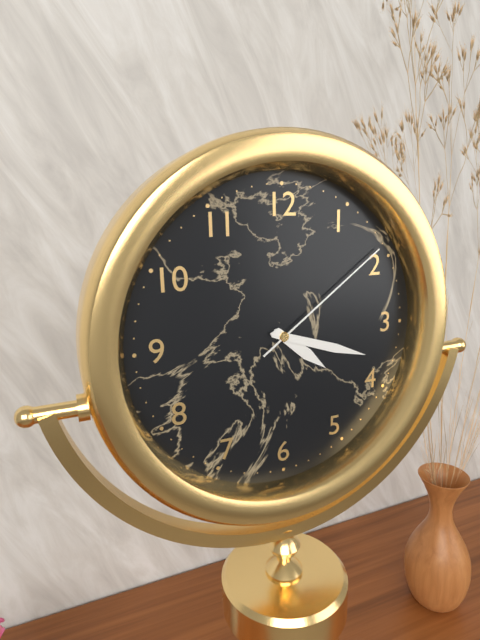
4:18:09
